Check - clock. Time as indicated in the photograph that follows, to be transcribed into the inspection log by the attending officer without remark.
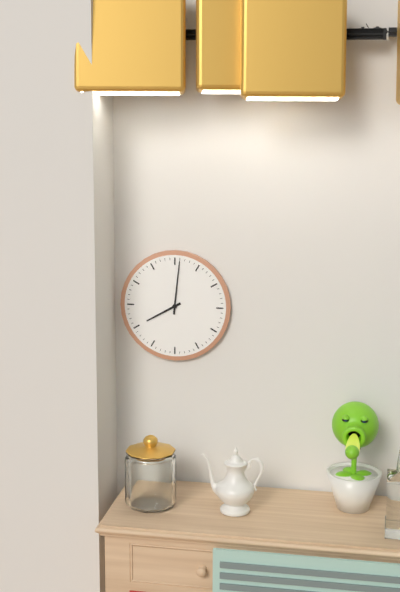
8:01
